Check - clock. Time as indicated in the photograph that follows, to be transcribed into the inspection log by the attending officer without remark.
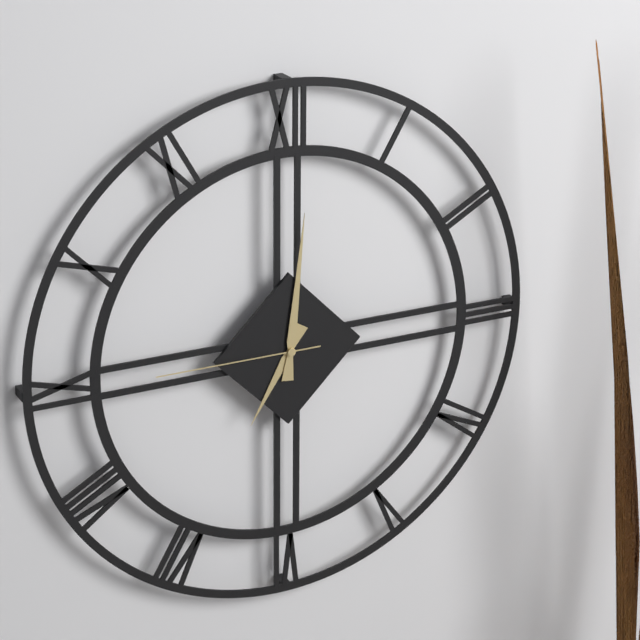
7:01:45
